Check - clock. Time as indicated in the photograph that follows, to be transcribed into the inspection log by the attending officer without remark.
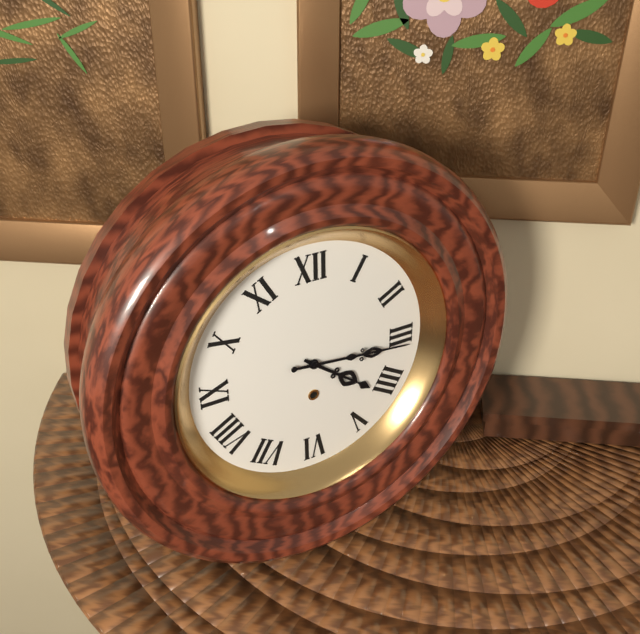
4:16
